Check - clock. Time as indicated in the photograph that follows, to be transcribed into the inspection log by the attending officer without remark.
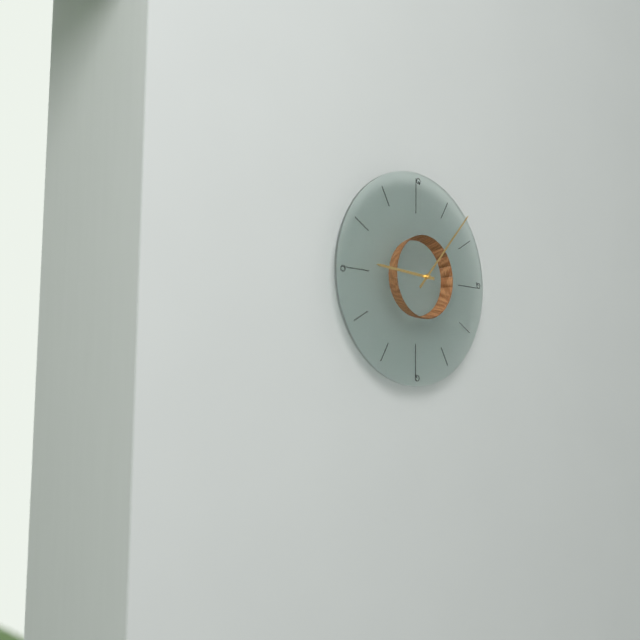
9:07
